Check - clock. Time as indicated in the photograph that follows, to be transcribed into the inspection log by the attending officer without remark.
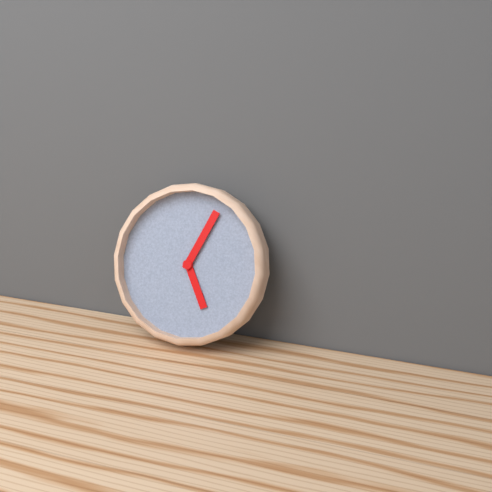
5:04
